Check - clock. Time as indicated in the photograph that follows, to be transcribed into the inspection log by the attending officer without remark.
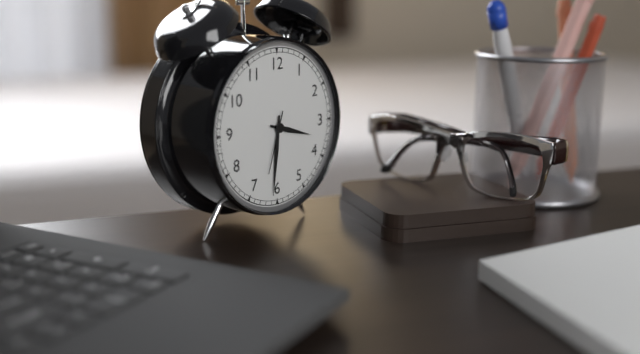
3:31:33
